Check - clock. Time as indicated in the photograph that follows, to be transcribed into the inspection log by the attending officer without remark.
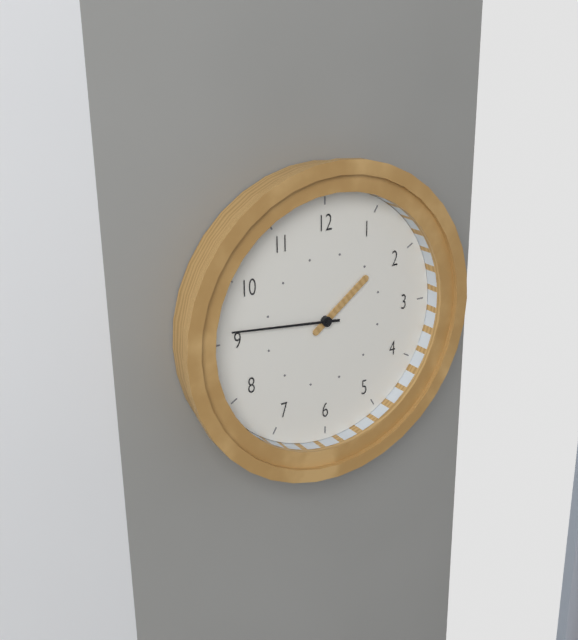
1:46
